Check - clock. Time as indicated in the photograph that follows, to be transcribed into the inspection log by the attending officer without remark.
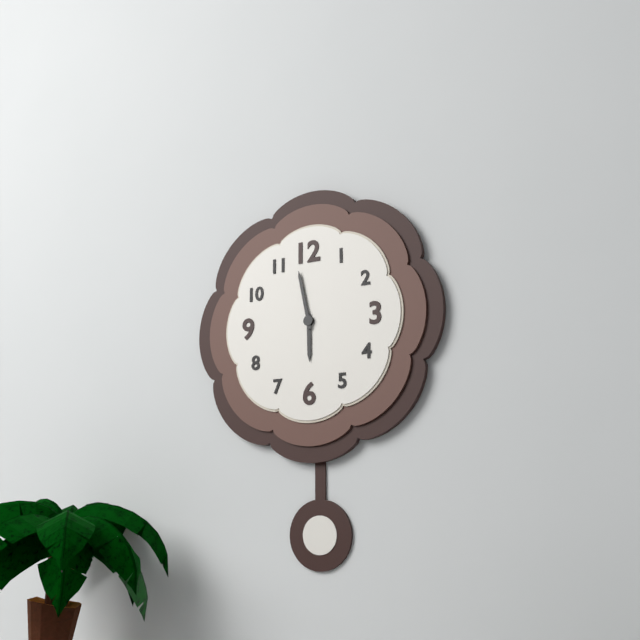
5:58
